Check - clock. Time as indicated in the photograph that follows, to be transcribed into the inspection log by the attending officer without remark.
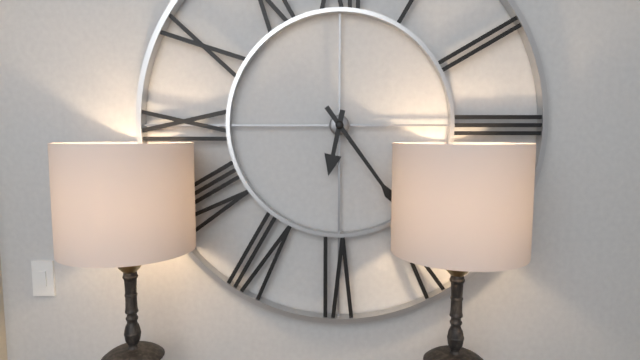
6:24
